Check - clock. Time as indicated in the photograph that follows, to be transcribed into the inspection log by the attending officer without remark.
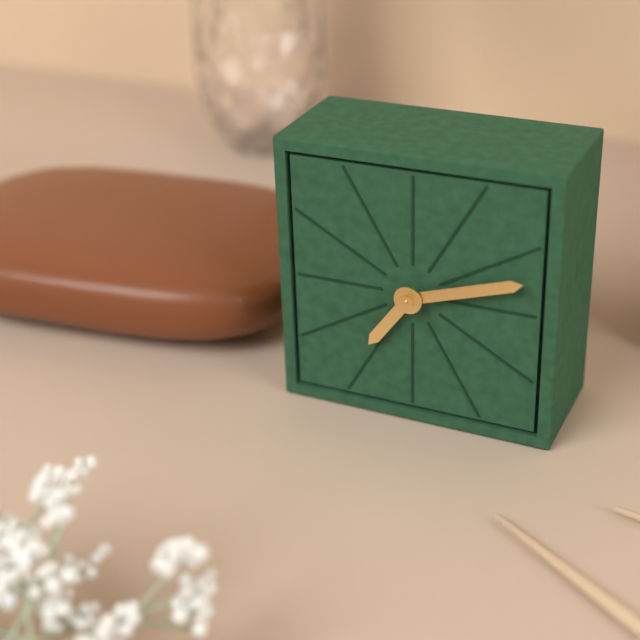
7:12
